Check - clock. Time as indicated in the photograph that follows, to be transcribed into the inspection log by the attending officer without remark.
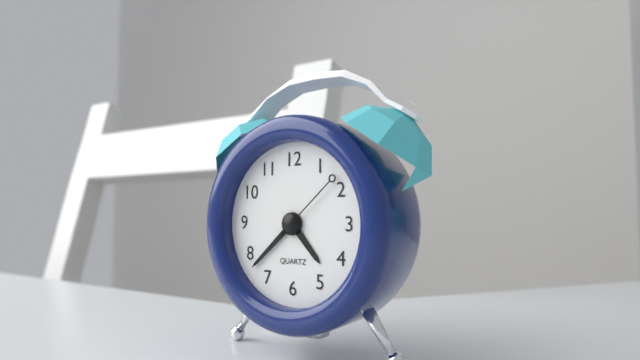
4:38:08
